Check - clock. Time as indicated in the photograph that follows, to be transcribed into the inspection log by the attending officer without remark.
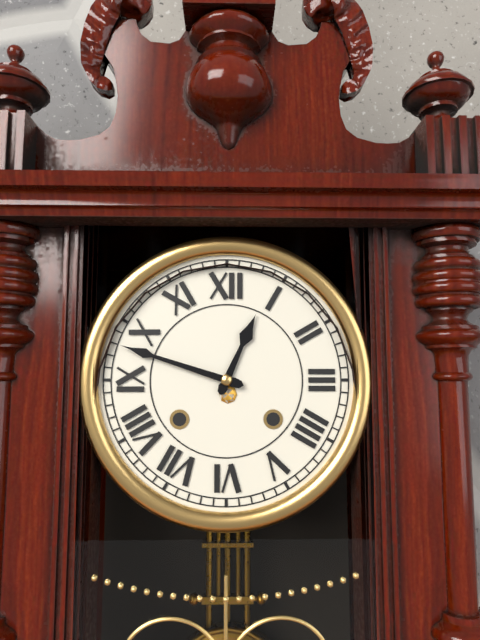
12:48
